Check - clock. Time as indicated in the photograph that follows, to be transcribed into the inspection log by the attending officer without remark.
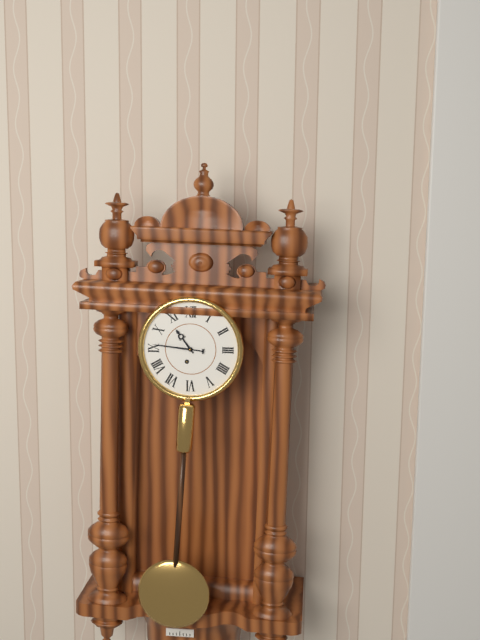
10:46
